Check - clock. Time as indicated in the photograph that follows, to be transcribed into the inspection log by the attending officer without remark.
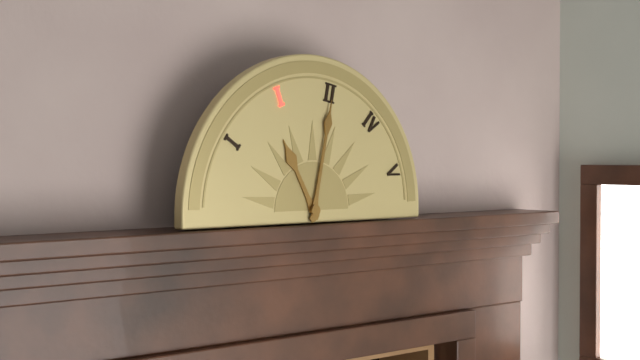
11:02
